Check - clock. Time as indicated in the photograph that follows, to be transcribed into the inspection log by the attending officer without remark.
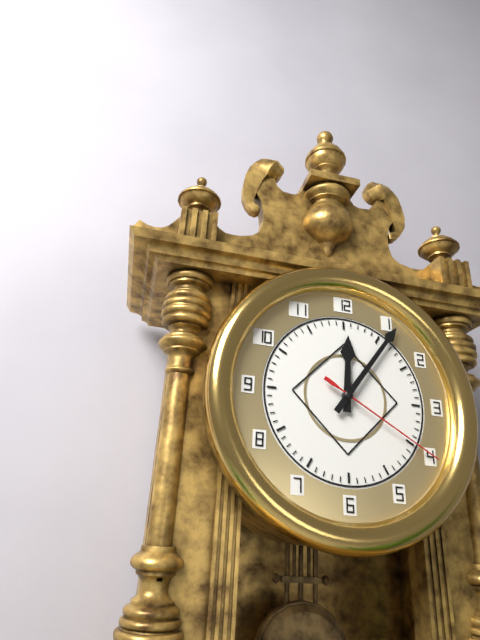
12:06:20
